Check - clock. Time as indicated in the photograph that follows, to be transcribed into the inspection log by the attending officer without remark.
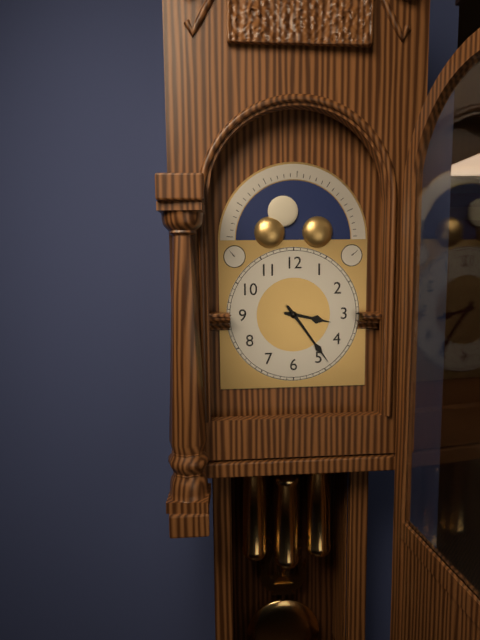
3:24
